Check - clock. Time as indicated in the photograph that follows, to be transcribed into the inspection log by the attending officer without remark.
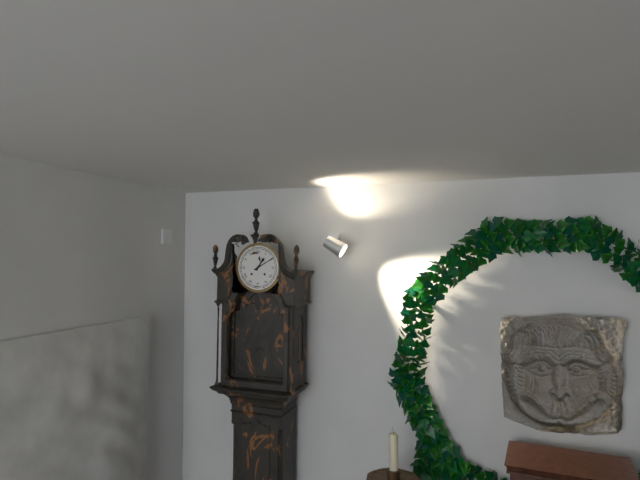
1:10
